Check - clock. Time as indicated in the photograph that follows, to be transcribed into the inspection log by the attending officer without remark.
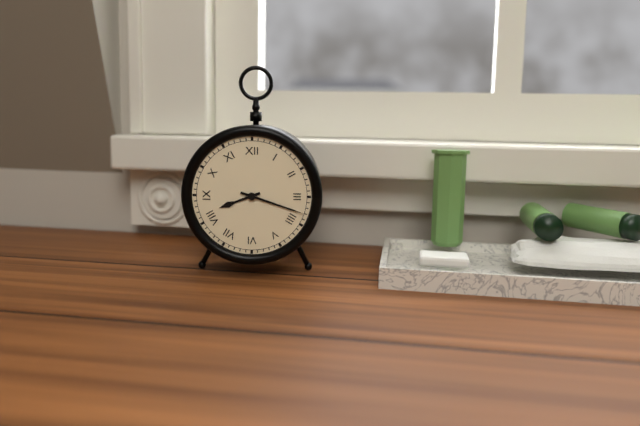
8:18
